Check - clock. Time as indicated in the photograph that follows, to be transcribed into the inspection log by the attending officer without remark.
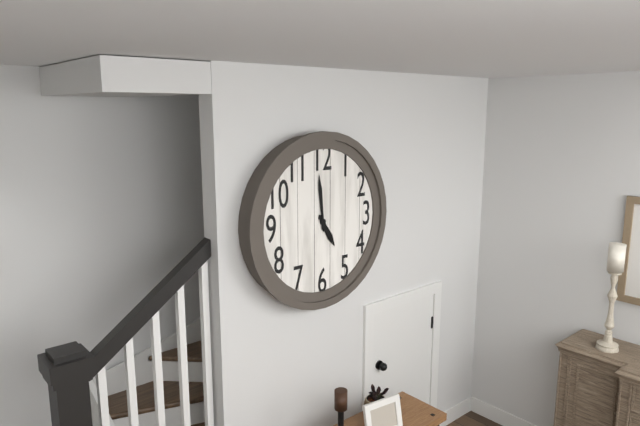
4:59
